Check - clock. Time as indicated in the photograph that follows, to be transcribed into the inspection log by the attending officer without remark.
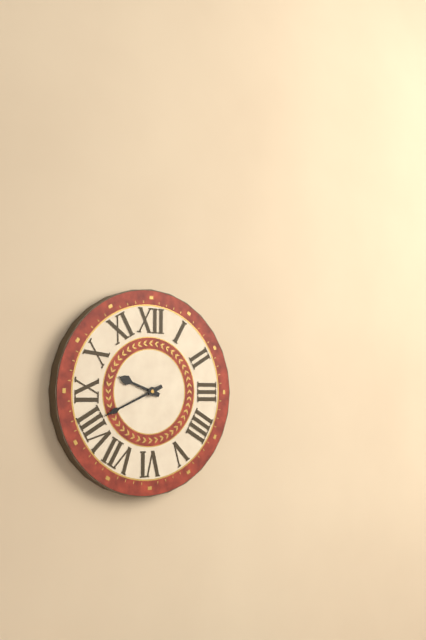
9:41
